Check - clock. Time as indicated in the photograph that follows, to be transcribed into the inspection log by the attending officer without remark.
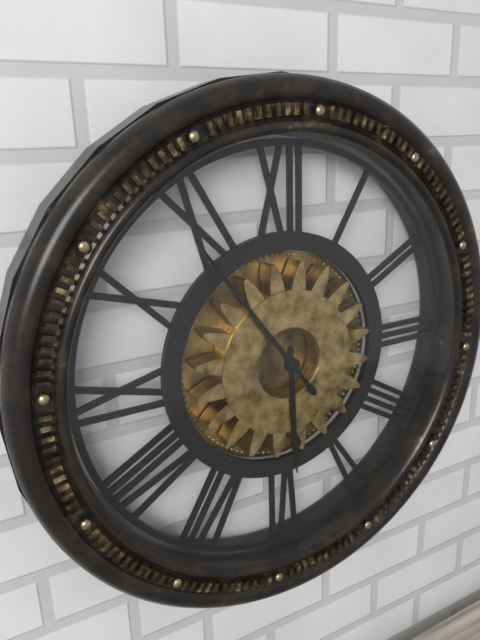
5:54
